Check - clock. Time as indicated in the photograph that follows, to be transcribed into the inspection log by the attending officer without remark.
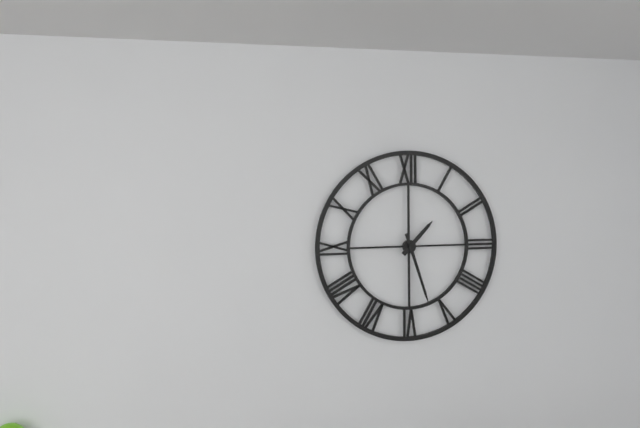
1:27
